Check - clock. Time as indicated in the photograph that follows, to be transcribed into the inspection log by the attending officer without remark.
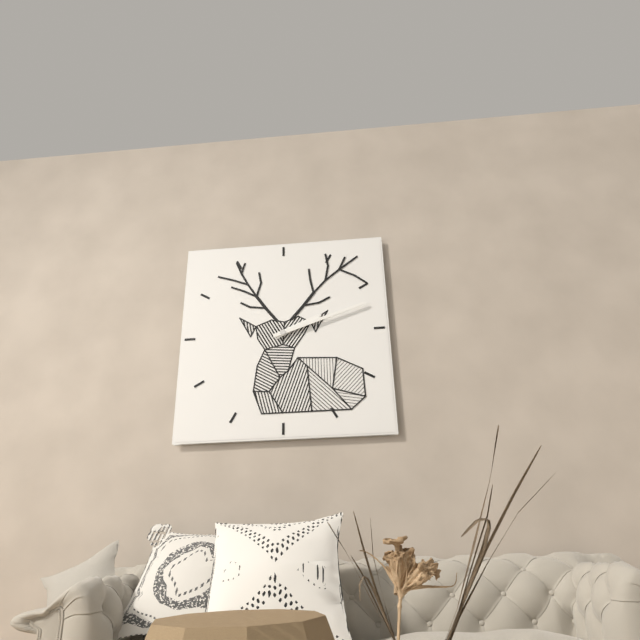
2:12
